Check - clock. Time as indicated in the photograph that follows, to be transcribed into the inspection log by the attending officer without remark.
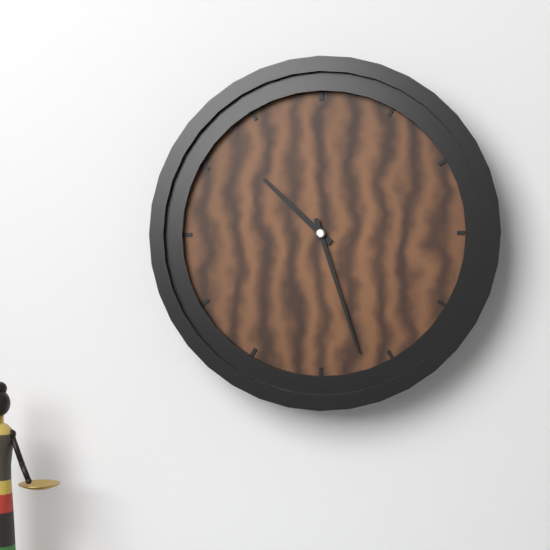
10:27
